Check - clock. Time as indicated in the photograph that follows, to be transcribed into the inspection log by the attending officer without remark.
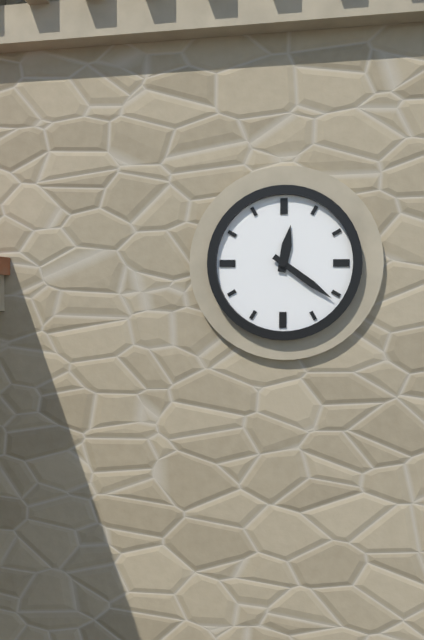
12:21
